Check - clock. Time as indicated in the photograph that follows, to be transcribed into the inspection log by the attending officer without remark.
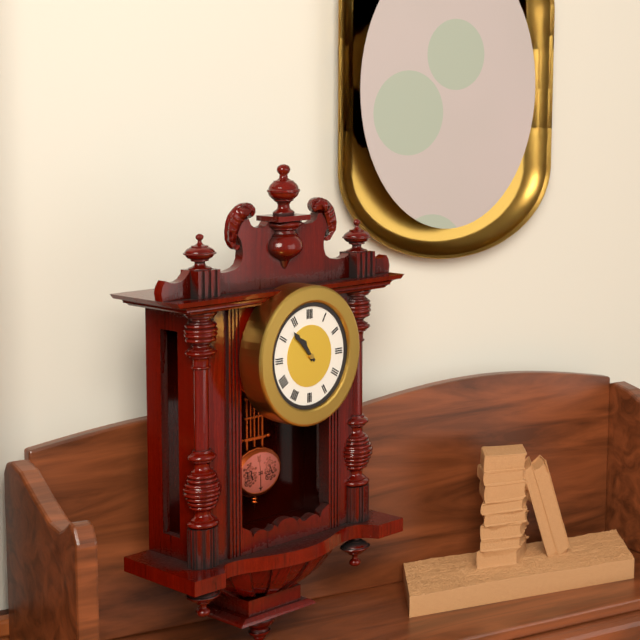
10:53
